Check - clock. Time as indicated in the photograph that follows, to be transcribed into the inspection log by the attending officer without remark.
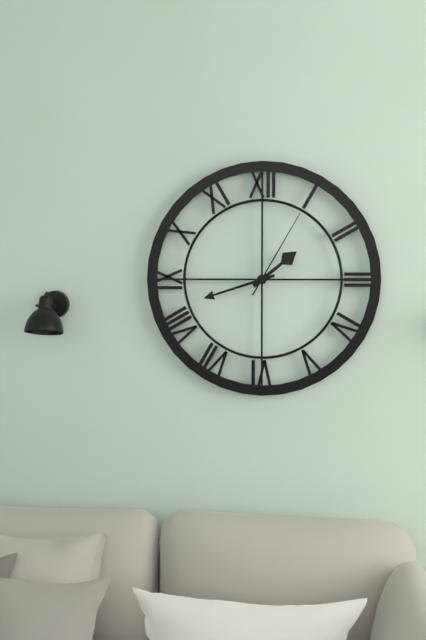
1:42:05
